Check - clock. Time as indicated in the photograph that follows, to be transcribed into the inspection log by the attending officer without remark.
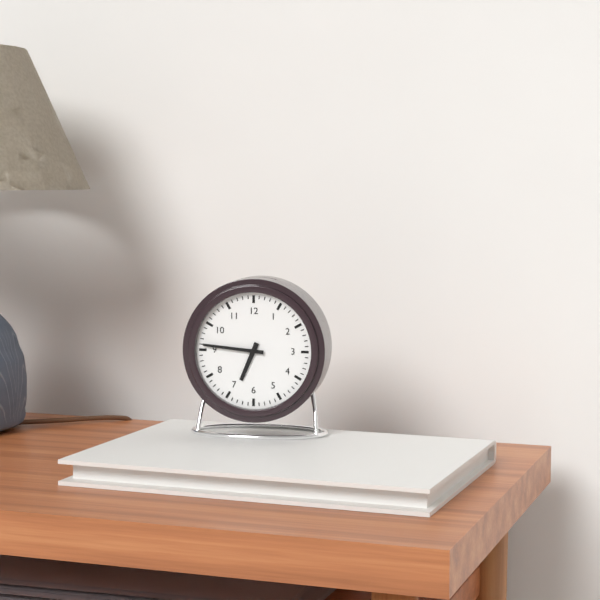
6:46
